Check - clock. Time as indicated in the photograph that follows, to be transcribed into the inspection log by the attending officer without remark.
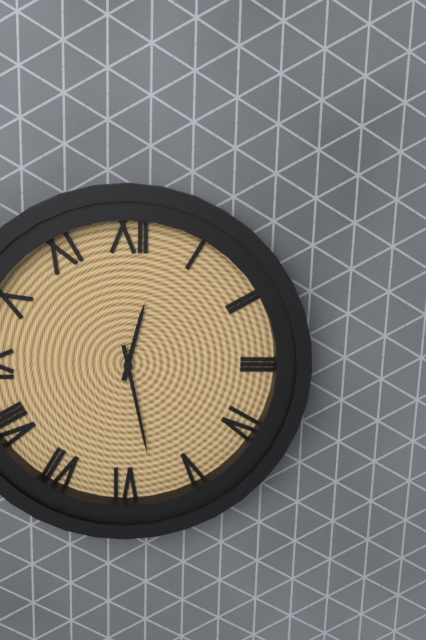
12:28
